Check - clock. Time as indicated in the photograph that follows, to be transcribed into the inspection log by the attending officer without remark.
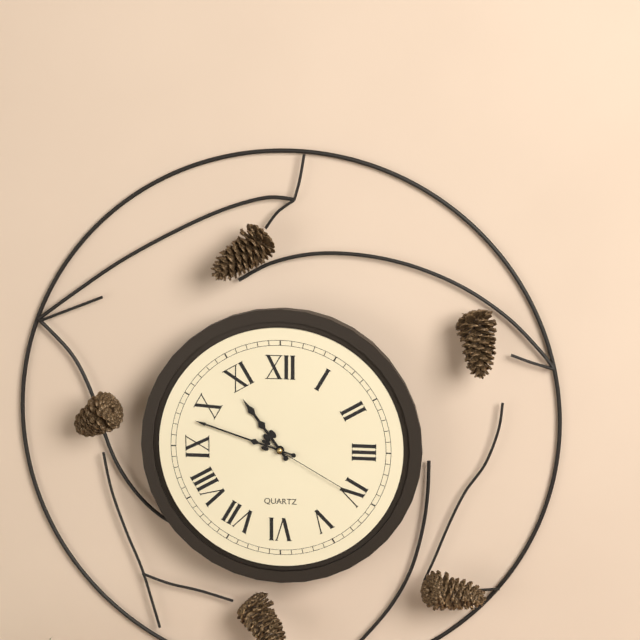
10:48:20
